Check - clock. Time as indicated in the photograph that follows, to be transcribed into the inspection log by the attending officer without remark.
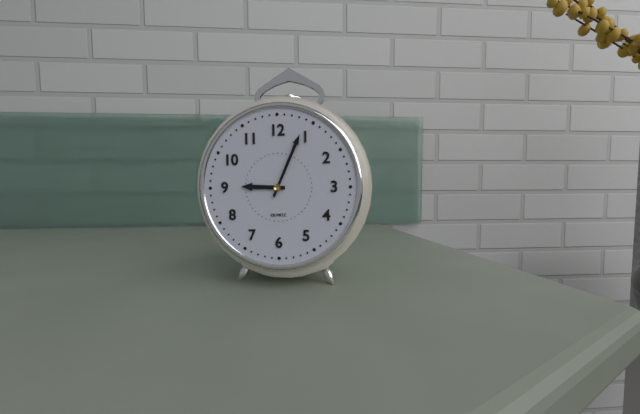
9:04
